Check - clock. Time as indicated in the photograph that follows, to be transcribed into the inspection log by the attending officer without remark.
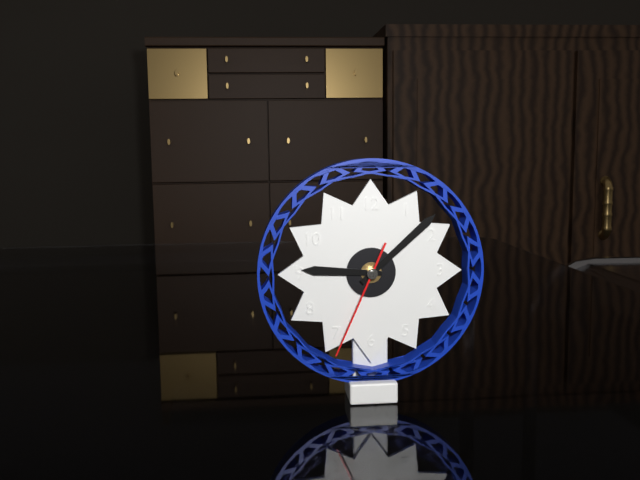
9:08:34
